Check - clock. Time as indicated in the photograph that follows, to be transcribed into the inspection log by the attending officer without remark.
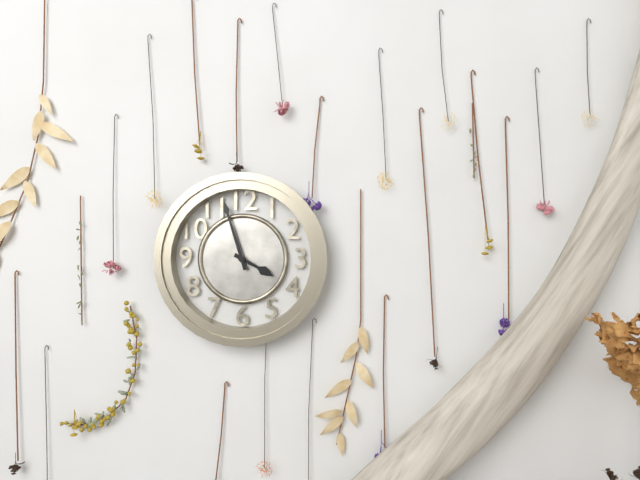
3:57
